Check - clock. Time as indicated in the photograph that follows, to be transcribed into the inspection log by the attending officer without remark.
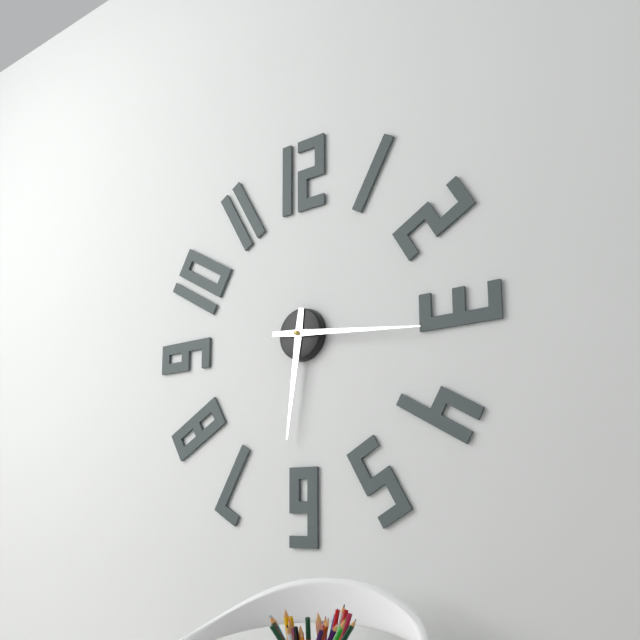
6:16
